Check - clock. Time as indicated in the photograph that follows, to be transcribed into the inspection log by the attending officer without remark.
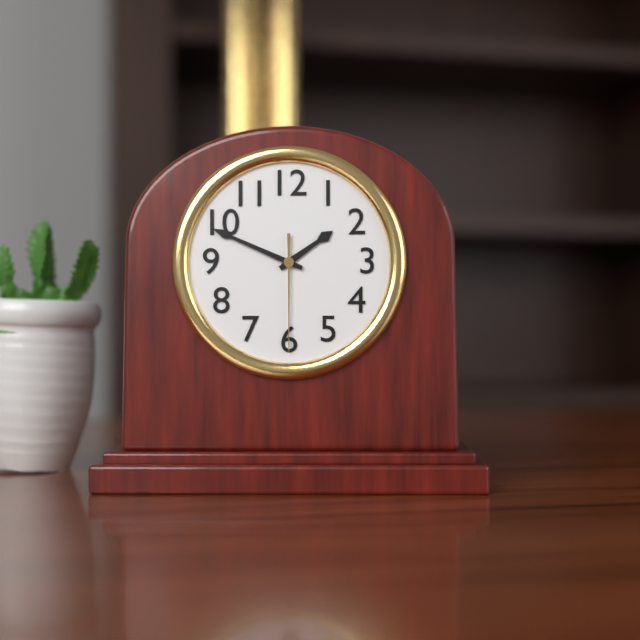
1:49:30
